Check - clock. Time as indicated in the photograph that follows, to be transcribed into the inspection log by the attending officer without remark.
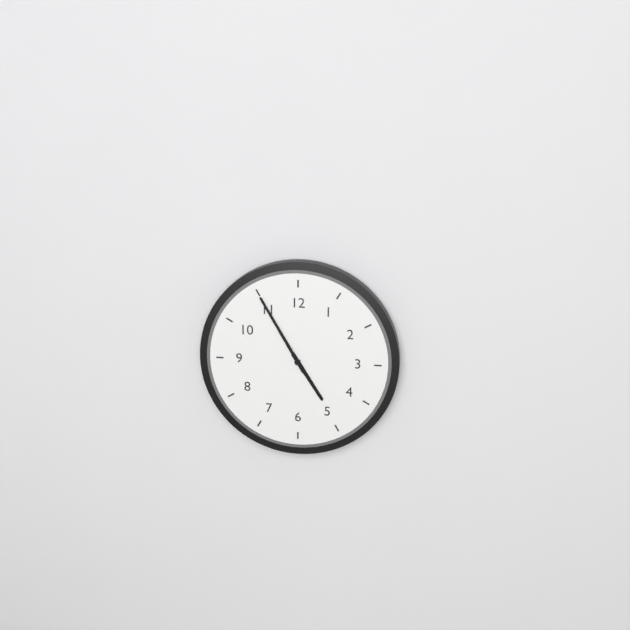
4:55
